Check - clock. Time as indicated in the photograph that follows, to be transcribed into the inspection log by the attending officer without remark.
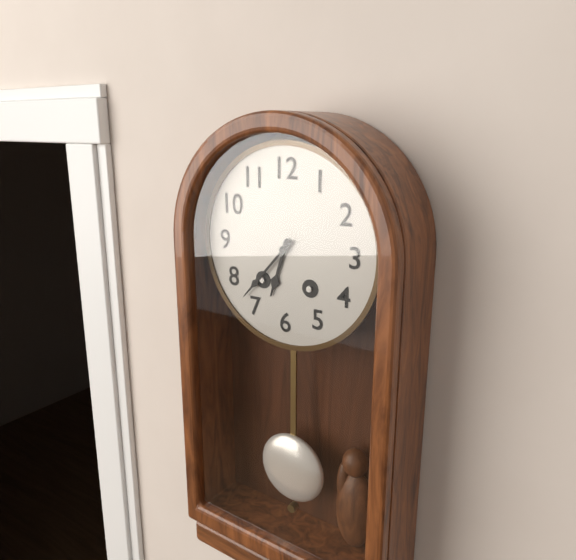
6:37
